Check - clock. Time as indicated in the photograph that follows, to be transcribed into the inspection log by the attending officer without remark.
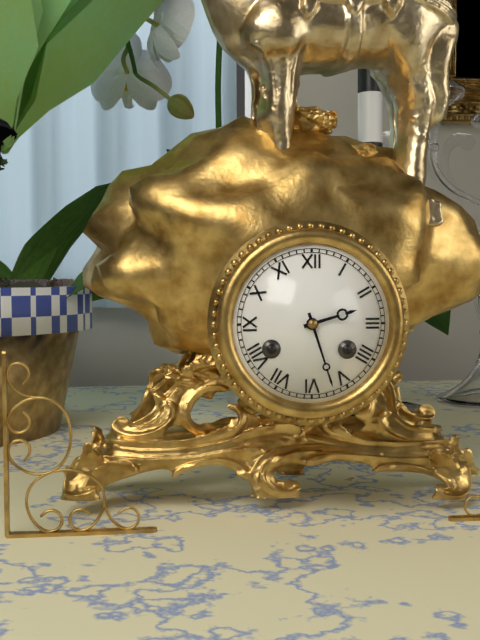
2:27
